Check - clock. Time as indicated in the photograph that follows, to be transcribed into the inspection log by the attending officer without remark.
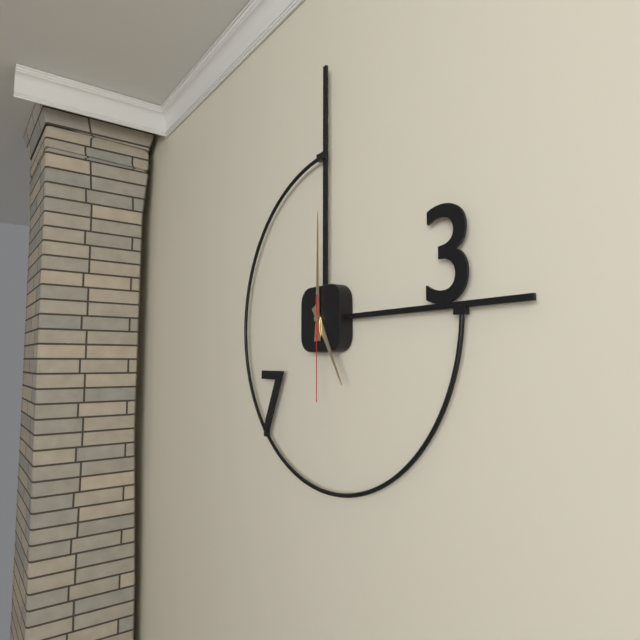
5:00:30
